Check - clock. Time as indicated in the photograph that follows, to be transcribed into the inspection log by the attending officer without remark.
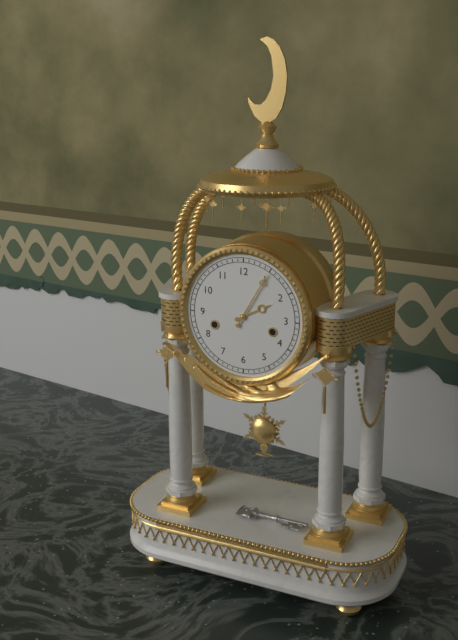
2:05
